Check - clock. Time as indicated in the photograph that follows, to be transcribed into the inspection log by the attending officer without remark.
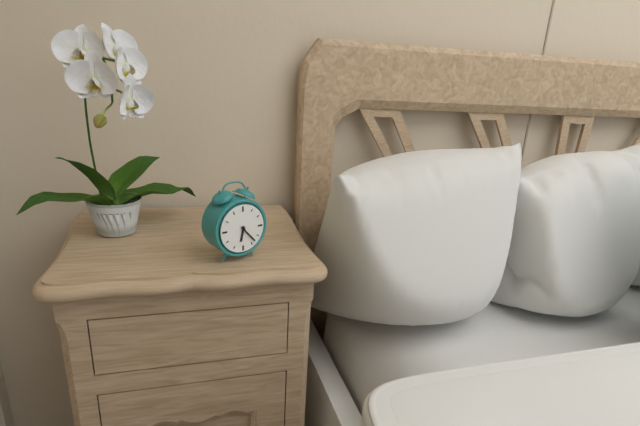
6:23
